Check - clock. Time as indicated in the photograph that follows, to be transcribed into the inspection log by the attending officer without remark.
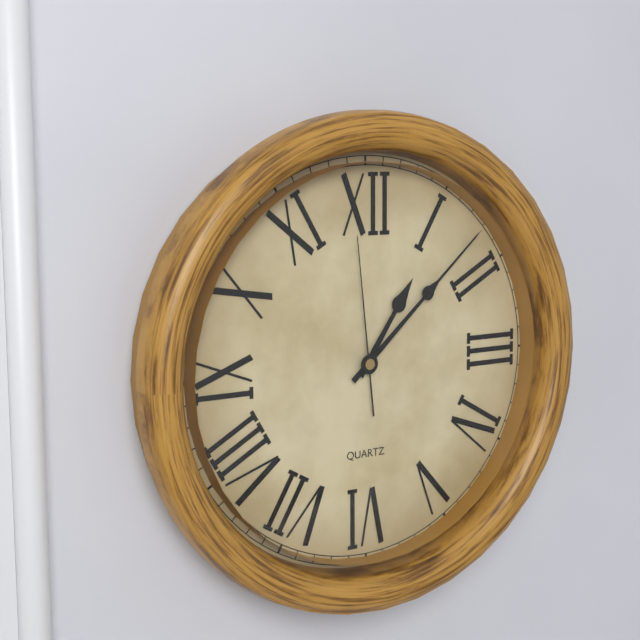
1:08:59
